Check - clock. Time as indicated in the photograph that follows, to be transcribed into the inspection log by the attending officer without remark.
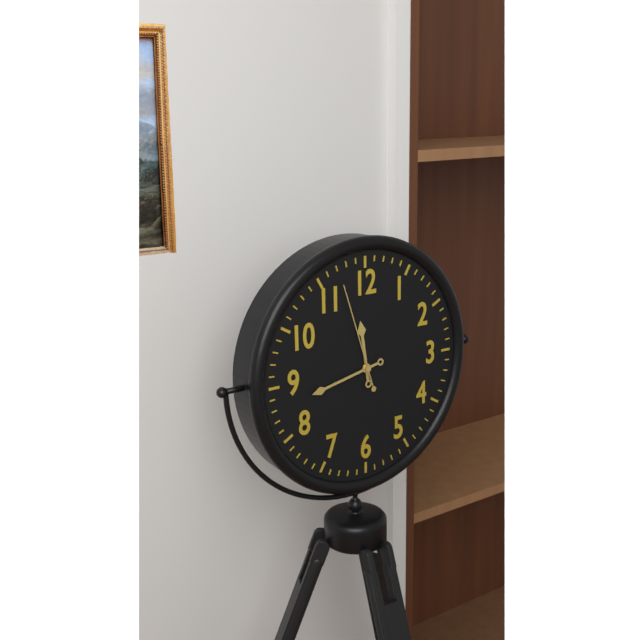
11:43:57
